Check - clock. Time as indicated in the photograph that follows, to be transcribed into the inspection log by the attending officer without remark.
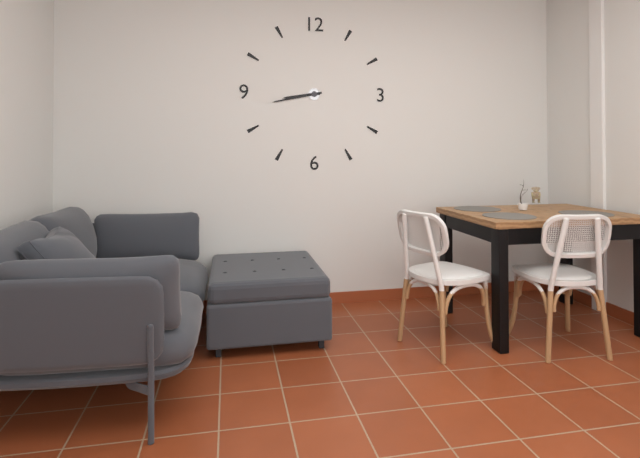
8:43
